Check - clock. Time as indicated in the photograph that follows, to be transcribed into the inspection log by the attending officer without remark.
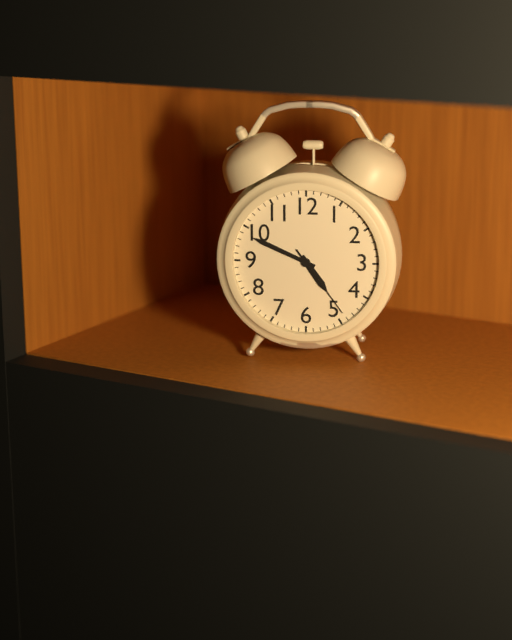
4:49:24
